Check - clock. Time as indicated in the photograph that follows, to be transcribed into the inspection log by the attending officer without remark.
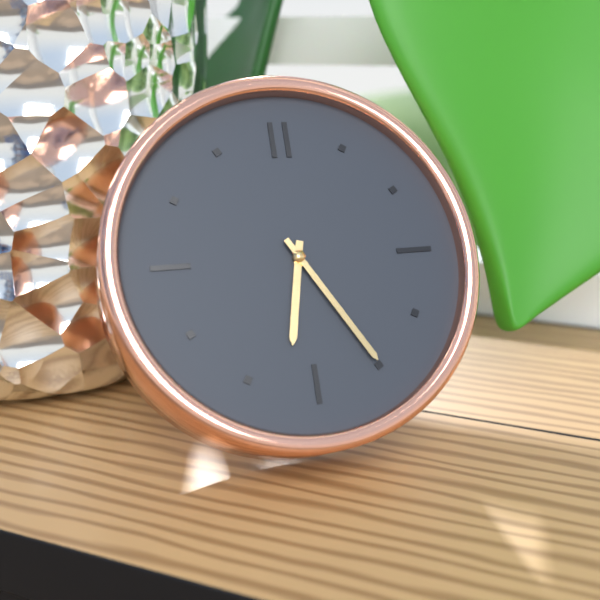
6:25
